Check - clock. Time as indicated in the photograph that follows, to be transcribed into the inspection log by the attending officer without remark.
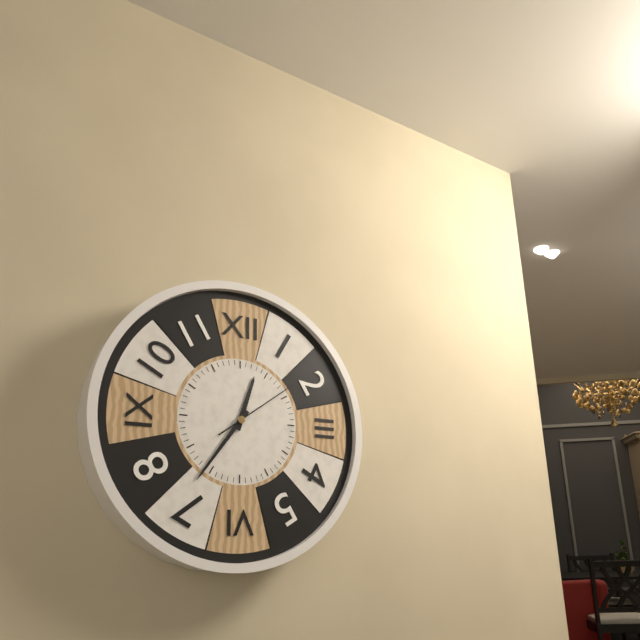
12:36:09
